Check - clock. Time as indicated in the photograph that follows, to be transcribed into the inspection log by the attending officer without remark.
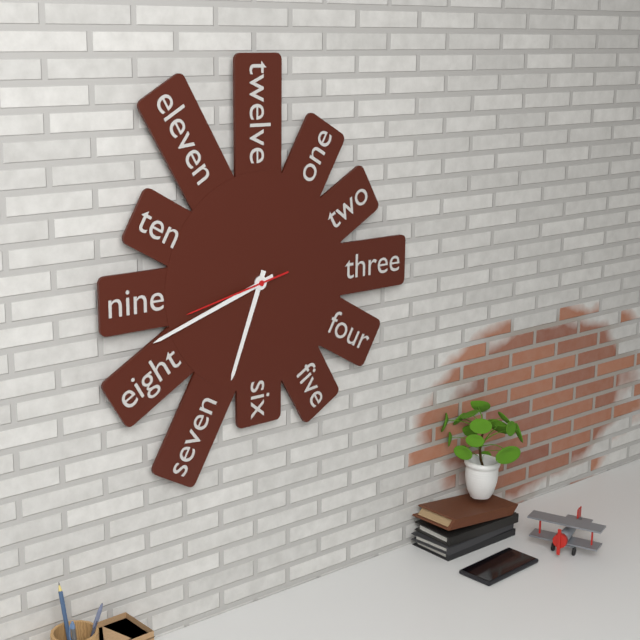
6:42:43
